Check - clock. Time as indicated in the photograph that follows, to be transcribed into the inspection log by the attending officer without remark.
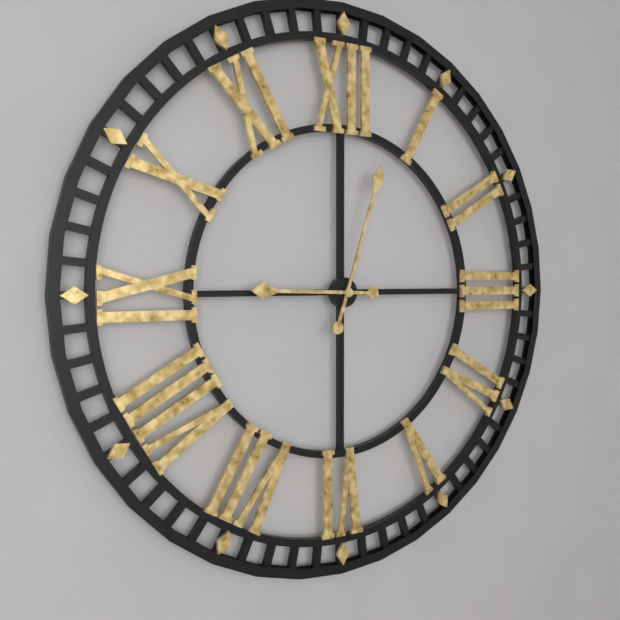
9:03
